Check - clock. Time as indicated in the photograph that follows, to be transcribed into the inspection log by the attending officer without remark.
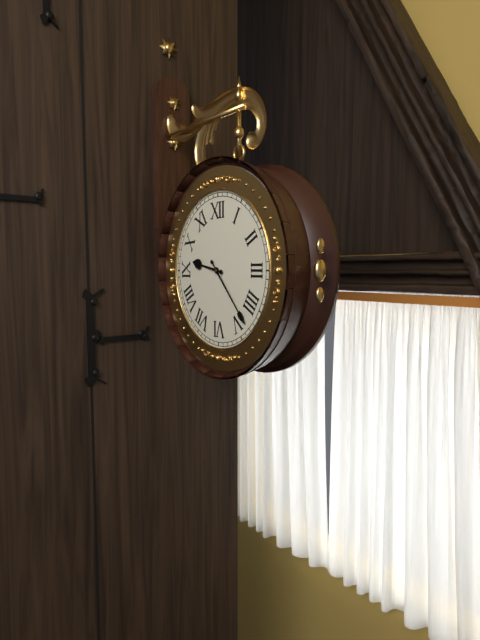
9:23
